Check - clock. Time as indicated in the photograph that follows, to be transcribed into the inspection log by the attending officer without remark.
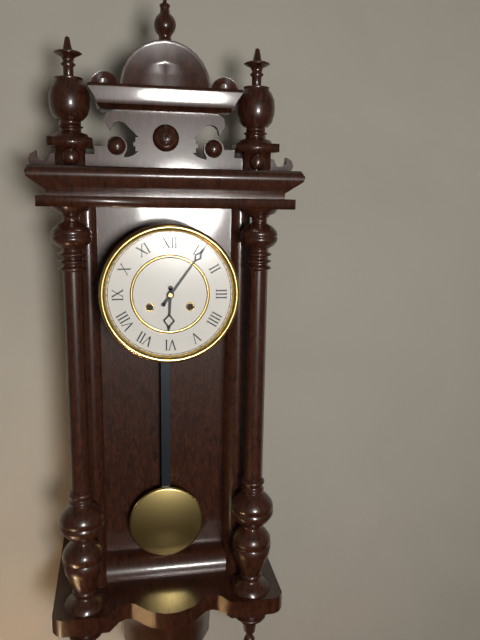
6:06
